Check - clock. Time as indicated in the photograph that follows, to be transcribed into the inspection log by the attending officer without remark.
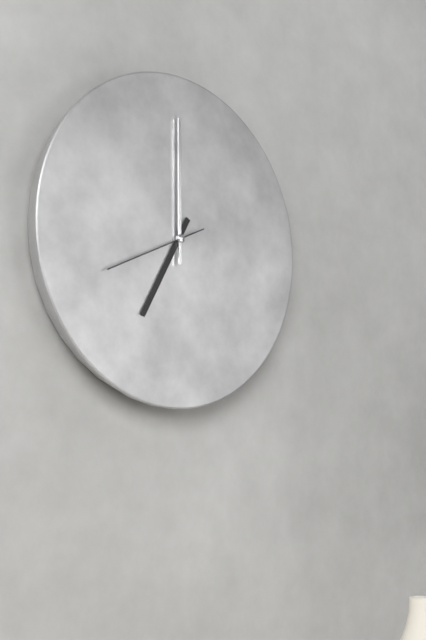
7:00:41
